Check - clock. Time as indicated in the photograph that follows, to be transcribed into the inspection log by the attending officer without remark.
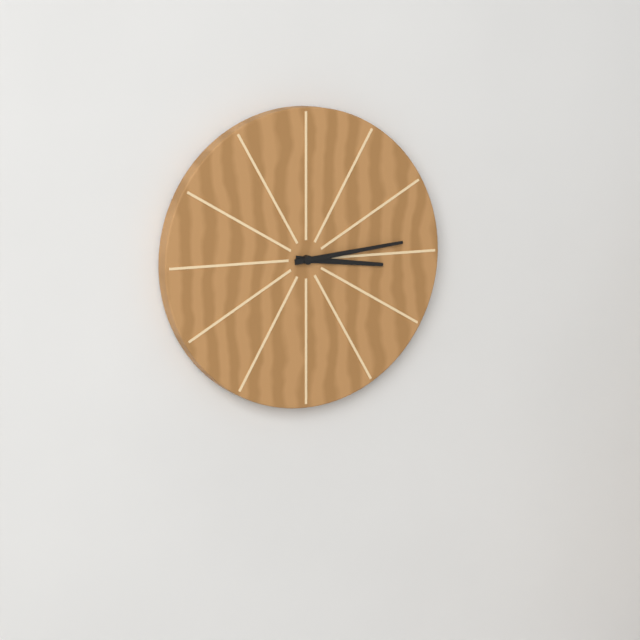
3:14
